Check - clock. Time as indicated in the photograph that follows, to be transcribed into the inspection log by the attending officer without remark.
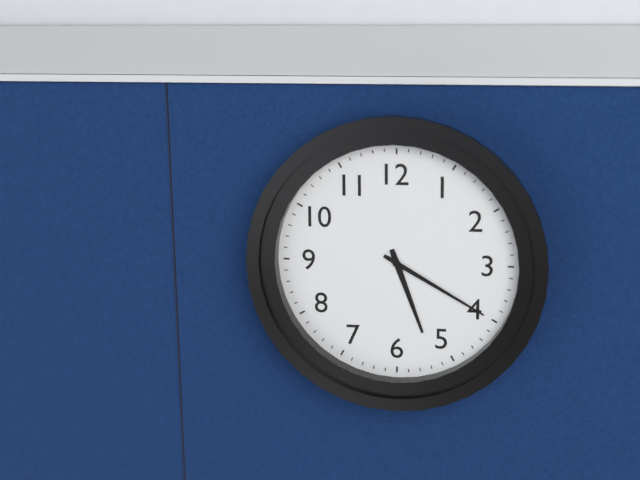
5:20
